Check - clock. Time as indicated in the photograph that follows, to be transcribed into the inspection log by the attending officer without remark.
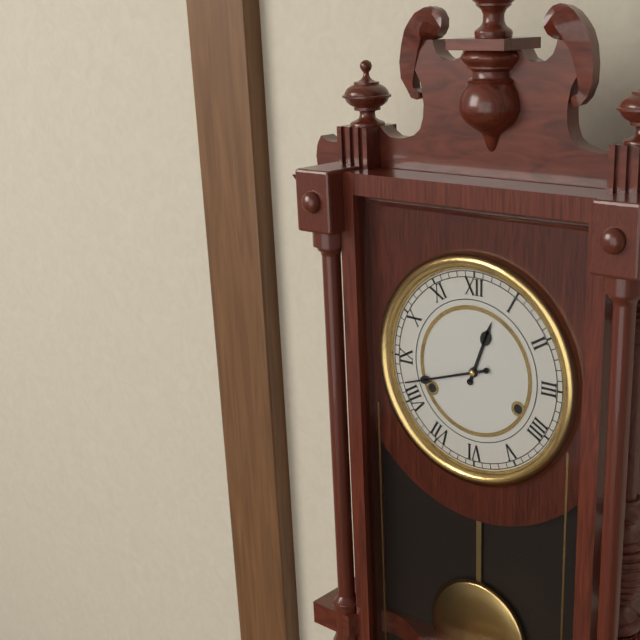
12:42
